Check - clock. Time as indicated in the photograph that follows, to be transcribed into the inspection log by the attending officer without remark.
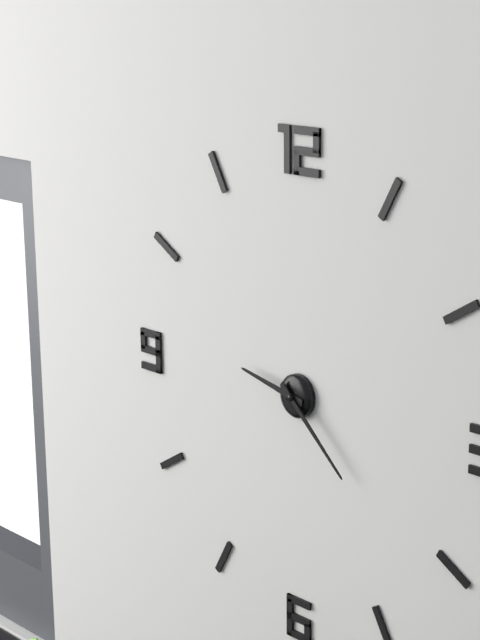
9:22
